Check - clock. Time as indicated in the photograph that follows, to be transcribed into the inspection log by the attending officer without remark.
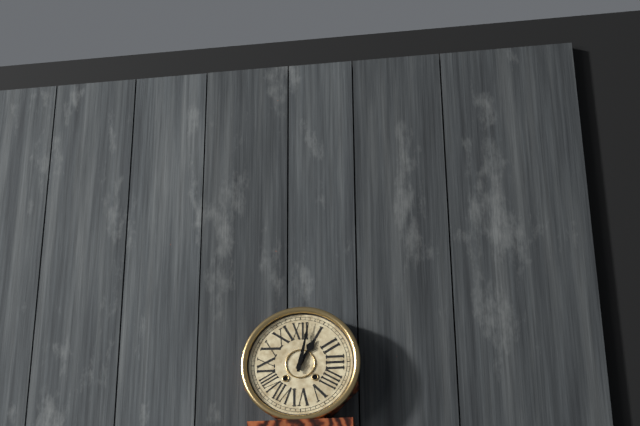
1:02
